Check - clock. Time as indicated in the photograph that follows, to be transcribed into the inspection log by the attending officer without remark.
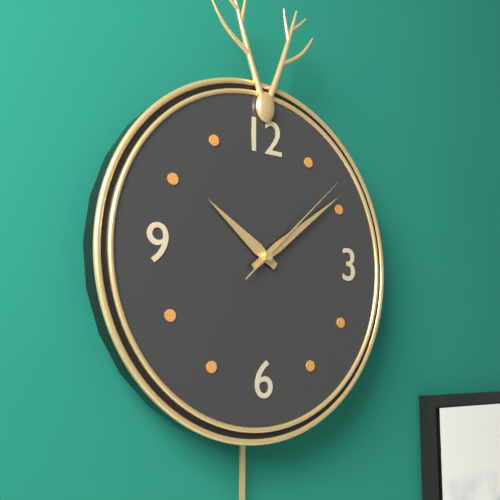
10:09:08
